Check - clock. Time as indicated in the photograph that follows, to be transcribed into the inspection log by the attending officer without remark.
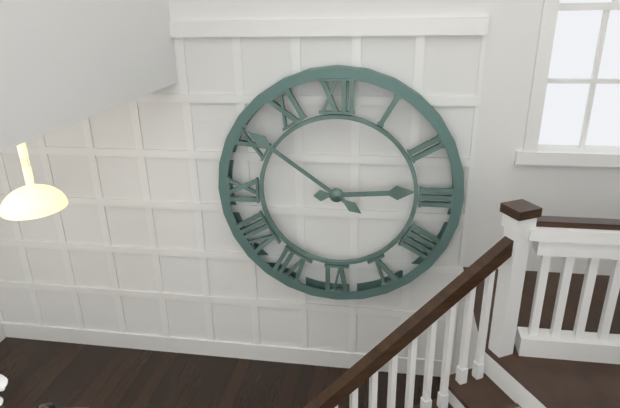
2:51
